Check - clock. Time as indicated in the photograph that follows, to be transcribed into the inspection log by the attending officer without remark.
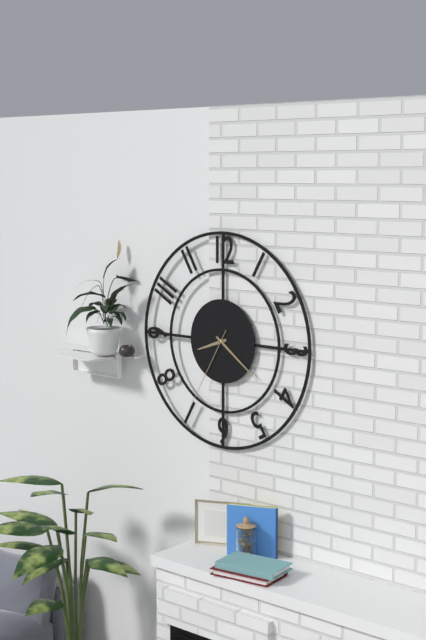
8:21:35
